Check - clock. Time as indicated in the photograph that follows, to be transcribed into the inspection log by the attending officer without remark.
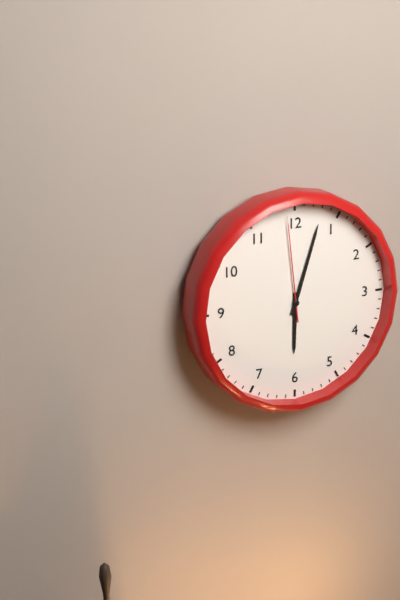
6:03:59
